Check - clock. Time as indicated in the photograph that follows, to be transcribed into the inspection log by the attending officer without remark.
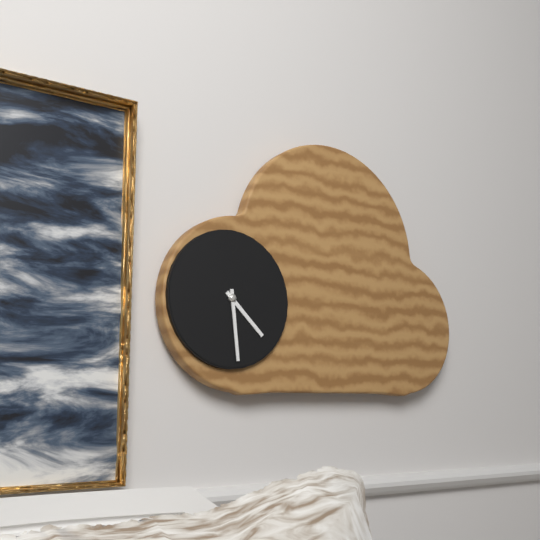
4:29
